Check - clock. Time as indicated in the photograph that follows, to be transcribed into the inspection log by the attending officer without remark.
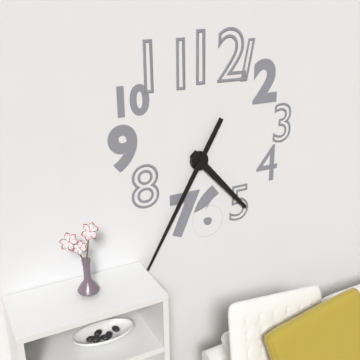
4:35
